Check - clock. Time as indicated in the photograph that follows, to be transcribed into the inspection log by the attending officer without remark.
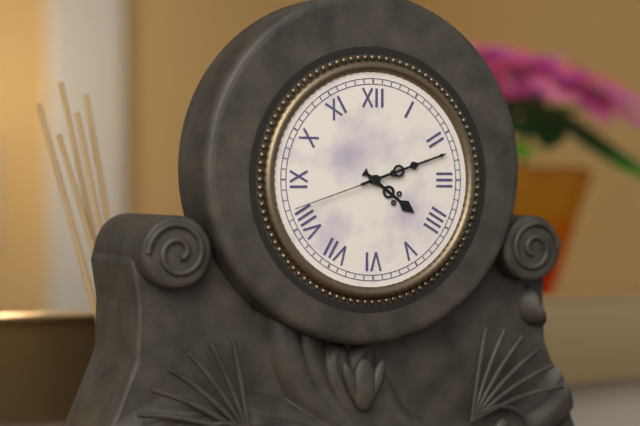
4:12:42
